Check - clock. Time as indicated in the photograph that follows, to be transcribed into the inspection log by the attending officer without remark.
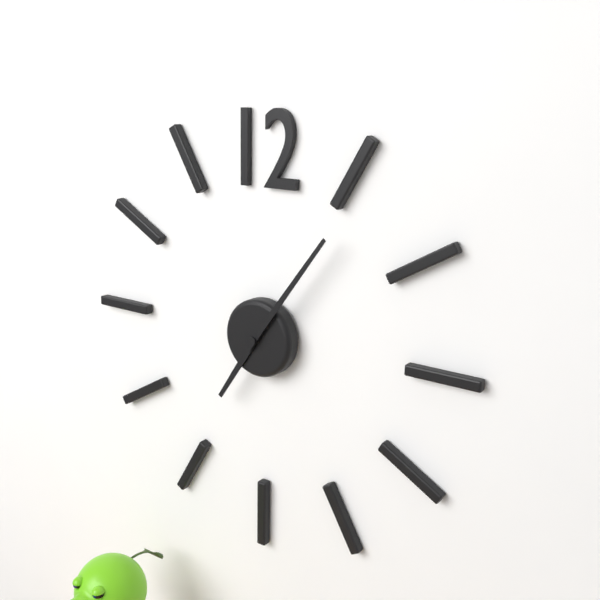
7:06
